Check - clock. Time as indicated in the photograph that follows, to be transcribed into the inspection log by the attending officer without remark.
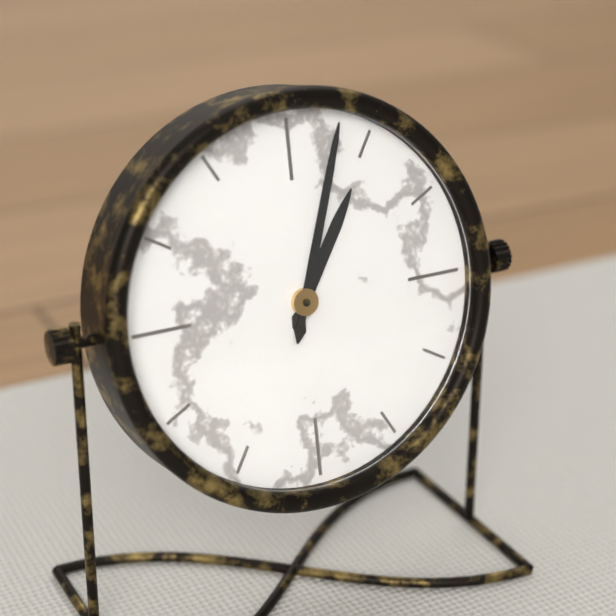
1:03
